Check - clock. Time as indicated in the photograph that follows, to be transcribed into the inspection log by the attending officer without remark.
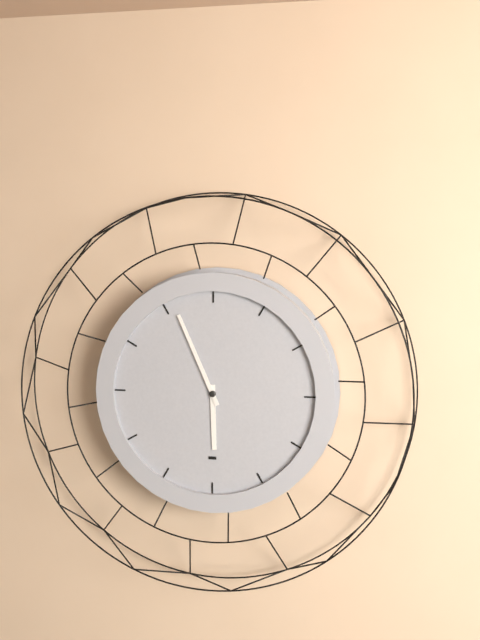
5:56
